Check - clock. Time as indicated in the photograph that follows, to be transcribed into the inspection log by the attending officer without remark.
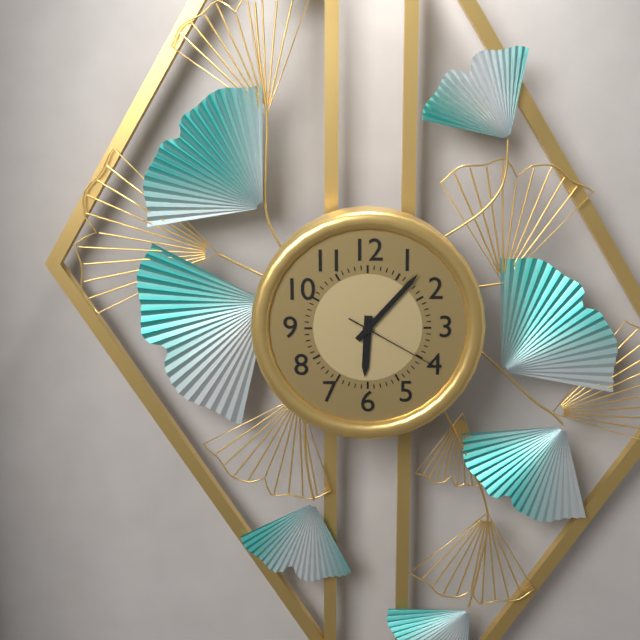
6:07:20
